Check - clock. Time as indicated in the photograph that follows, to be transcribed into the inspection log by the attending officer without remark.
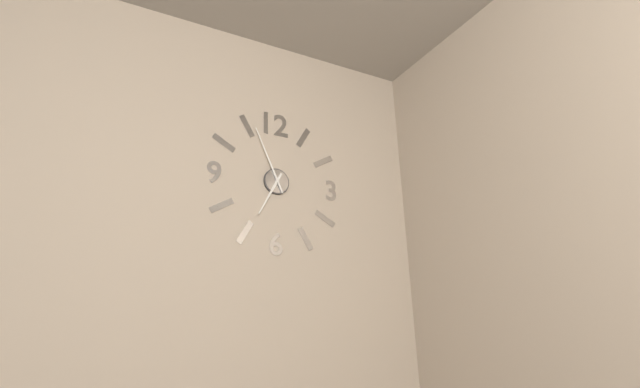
6:56
